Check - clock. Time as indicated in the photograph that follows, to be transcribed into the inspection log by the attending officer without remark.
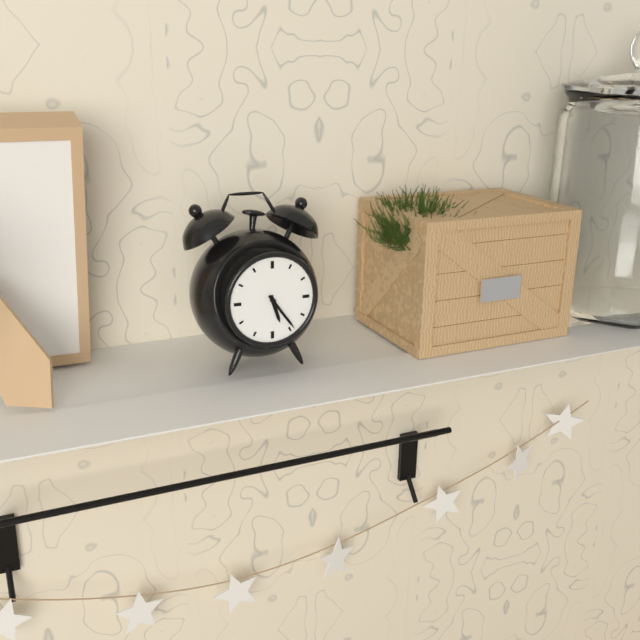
5:24
